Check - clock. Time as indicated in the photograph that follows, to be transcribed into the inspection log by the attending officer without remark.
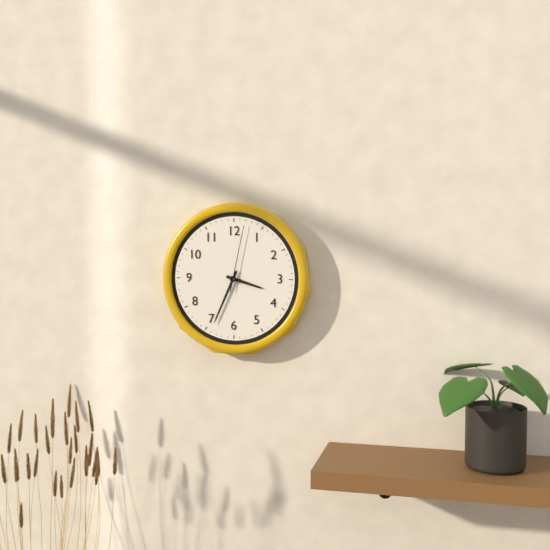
3:34:02
